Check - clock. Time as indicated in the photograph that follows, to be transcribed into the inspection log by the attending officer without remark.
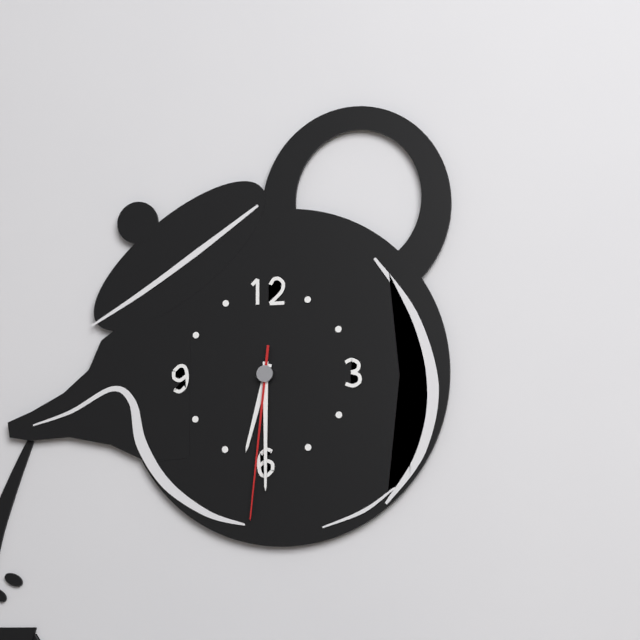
6:30:31
